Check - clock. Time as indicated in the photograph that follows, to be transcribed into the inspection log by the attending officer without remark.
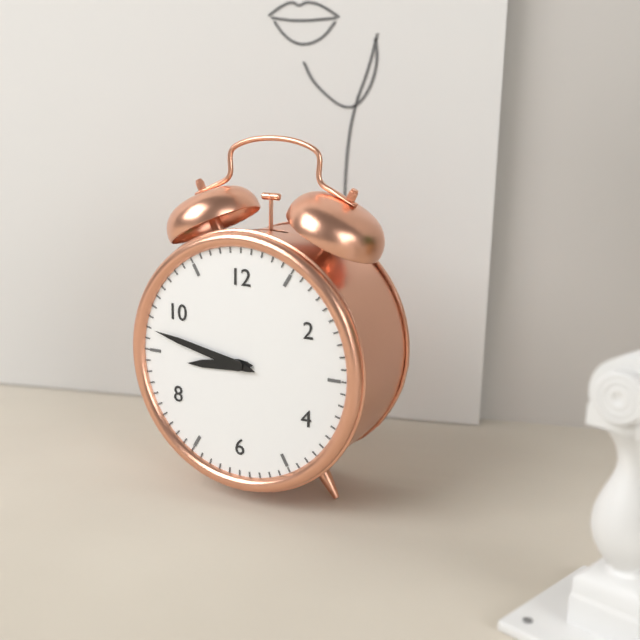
8:47
